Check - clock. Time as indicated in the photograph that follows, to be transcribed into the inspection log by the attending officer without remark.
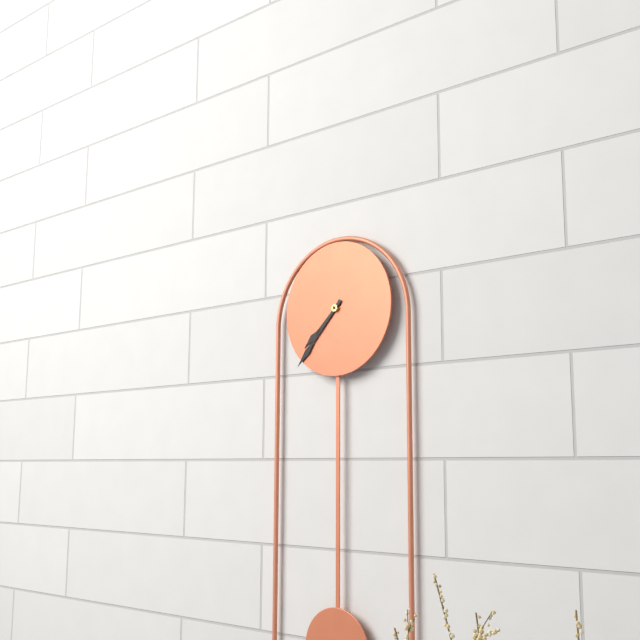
7:37
